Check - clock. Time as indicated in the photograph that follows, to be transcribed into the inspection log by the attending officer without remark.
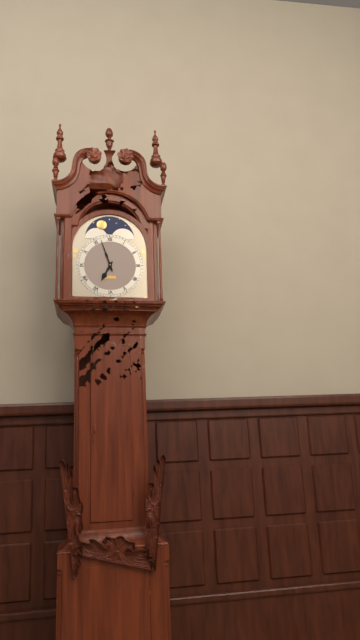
6:57
